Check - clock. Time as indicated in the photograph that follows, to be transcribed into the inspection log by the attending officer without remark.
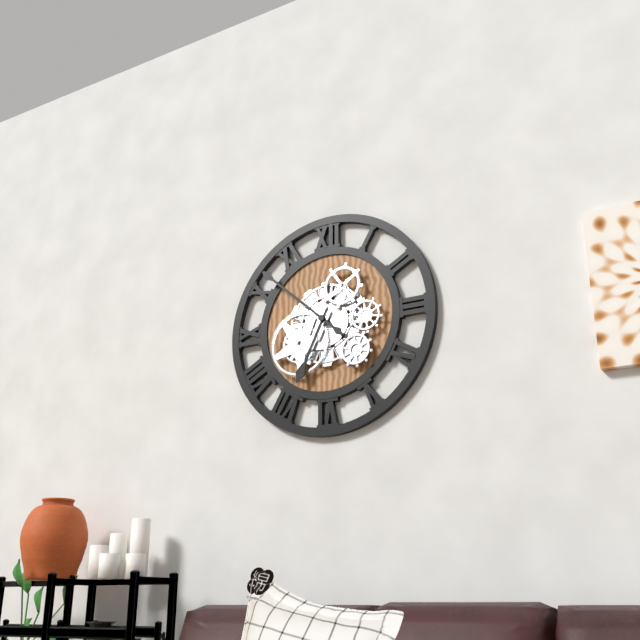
6:52
